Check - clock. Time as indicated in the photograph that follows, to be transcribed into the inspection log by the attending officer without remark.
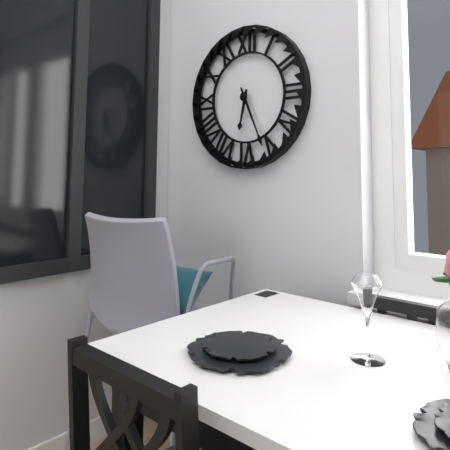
6:26
